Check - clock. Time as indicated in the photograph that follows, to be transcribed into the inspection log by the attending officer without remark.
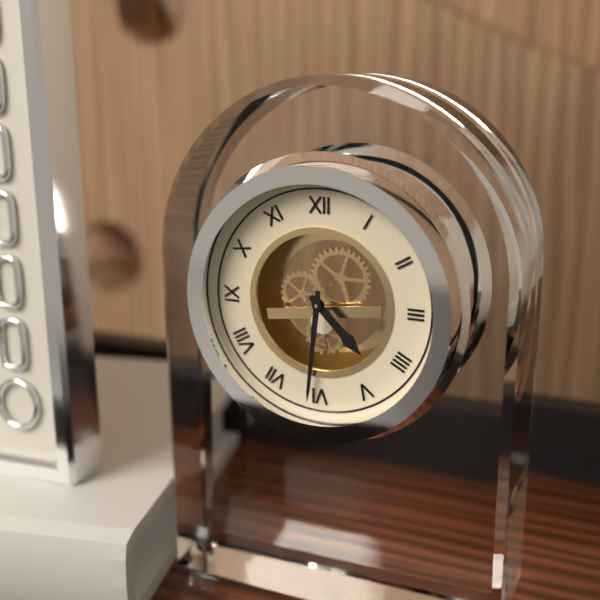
4:31
